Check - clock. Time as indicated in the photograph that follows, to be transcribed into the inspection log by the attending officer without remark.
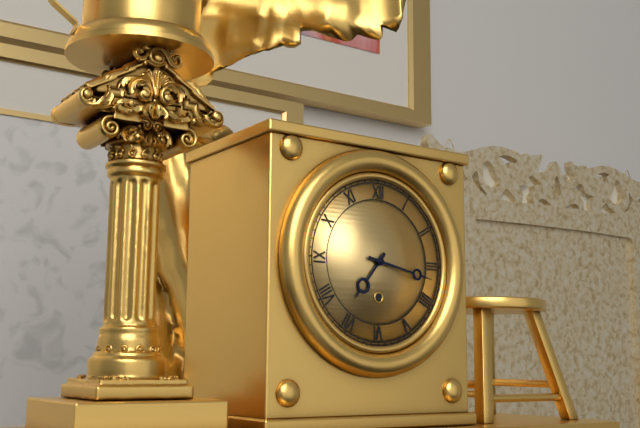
7:17
